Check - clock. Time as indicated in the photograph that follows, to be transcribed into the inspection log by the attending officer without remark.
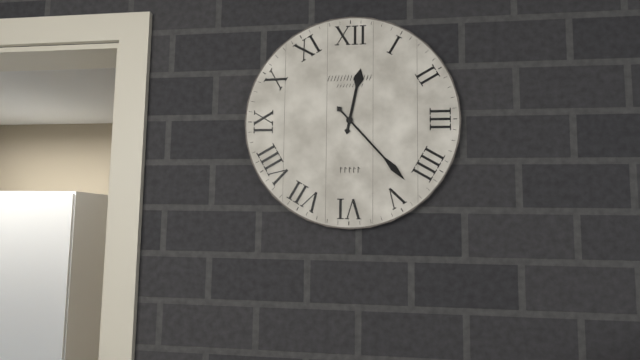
12:23
